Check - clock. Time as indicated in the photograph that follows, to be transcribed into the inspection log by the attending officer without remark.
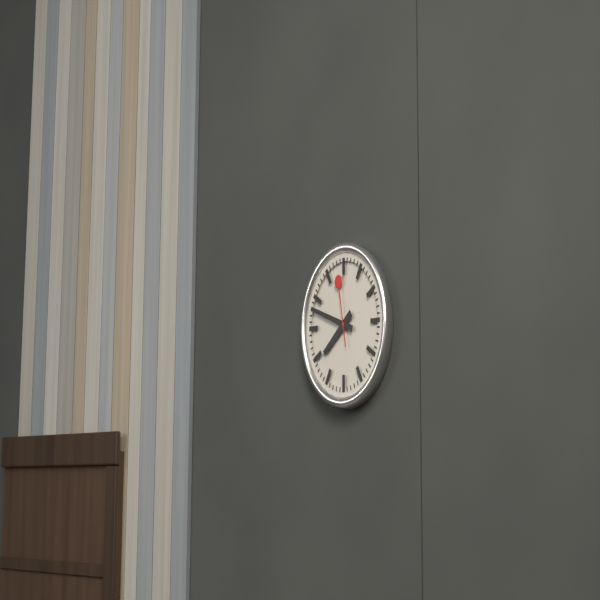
7:48:58
